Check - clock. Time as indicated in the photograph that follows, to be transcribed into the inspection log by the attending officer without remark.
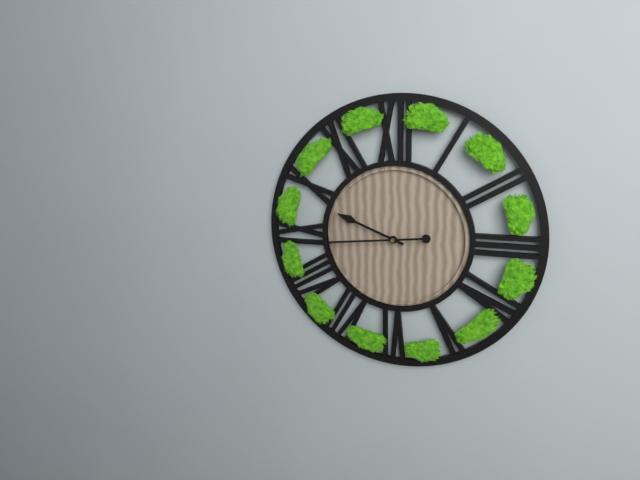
9:44
